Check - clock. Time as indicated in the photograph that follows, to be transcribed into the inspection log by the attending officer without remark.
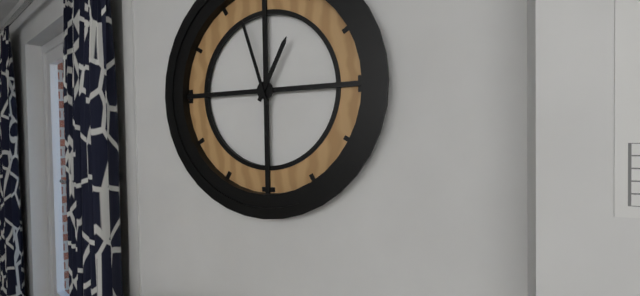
12:57
